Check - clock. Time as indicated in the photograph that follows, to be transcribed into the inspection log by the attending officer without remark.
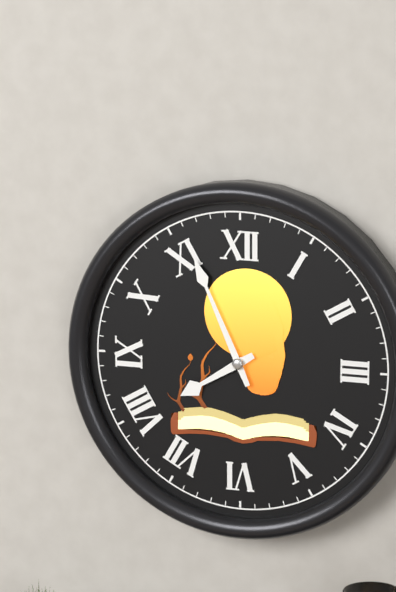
7:56
